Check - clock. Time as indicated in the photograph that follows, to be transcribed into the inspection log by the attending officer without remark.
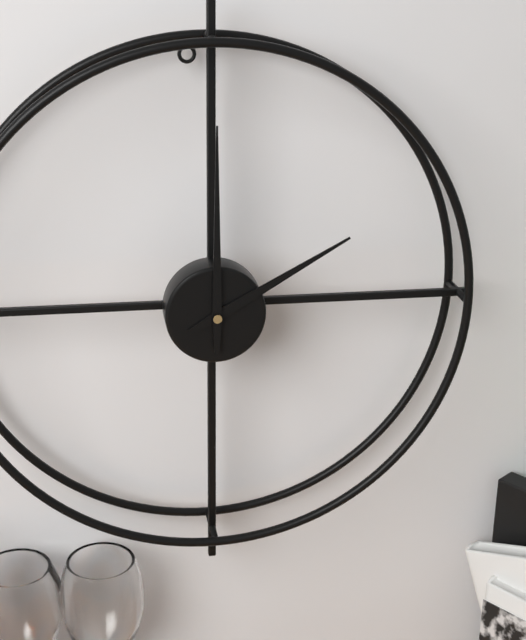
2:00
